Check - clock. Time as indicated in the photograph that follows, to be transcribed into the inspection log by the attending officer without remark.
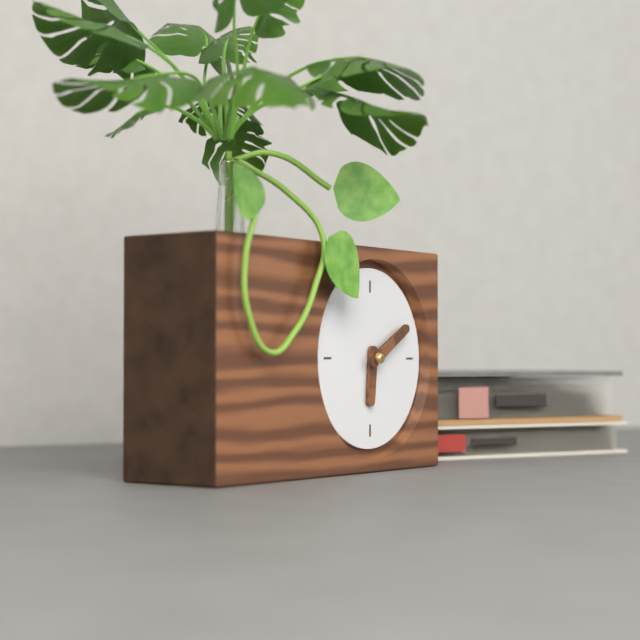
6:10
